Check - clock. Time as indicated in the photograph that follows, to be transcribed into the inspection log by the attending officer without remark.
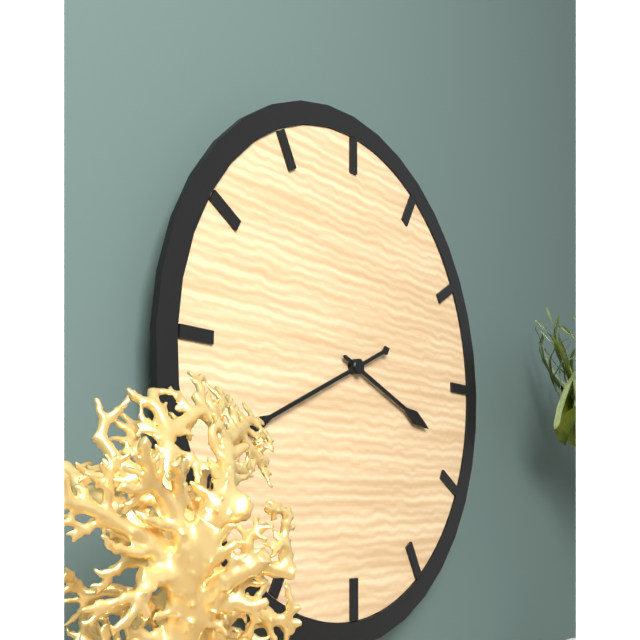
3:41
